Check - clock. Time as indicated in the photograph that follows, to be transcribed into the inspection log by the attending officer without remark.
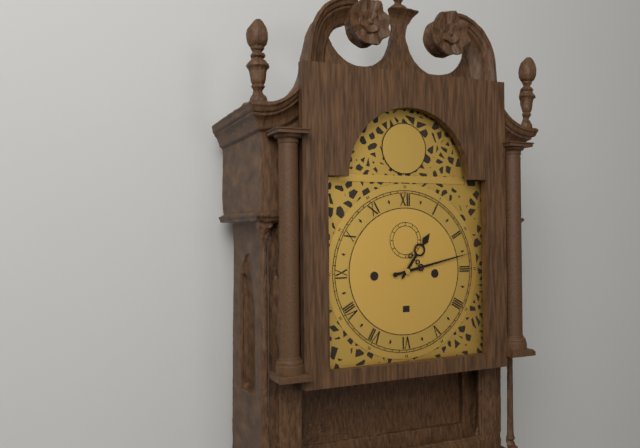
1:13
